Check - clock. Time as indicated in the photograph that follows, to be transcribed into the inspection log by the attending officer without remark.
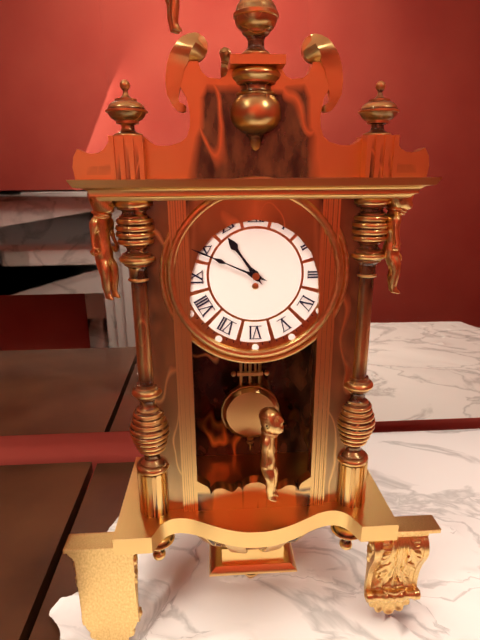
10:49
